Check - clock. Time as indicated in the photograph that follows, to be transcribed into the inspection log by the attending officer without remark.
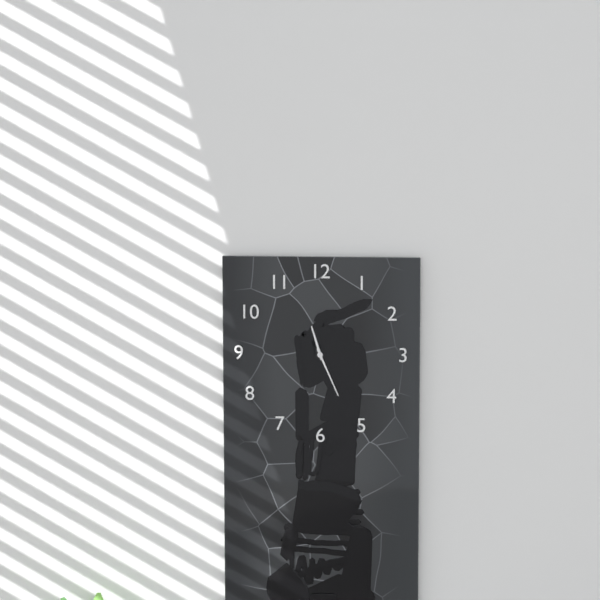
11:26
